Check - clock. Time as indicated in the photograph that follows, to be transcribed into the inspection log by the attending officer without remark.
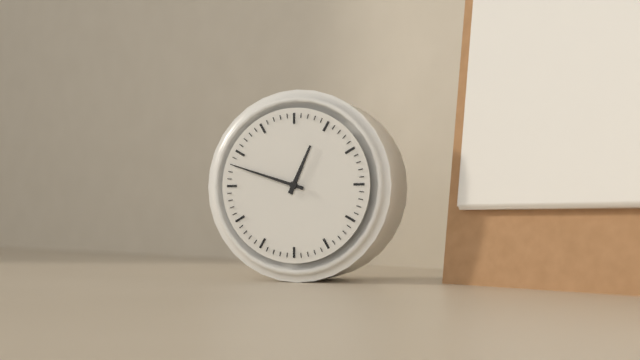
12:48
